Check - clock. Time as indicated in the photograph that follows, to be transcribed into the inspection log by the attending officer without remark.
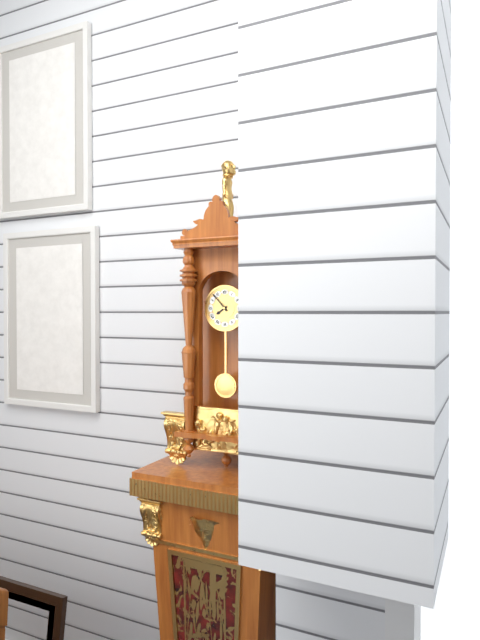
7:53
